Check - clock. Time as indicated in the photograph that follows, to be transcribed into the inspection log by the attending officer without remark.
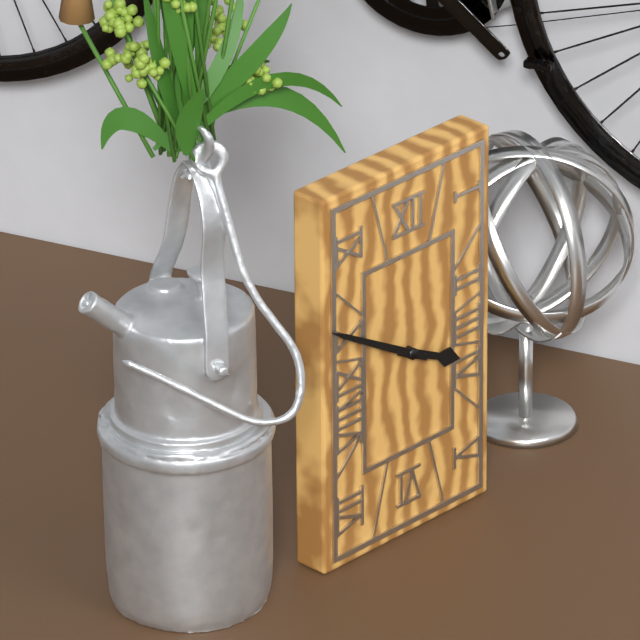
3:50
